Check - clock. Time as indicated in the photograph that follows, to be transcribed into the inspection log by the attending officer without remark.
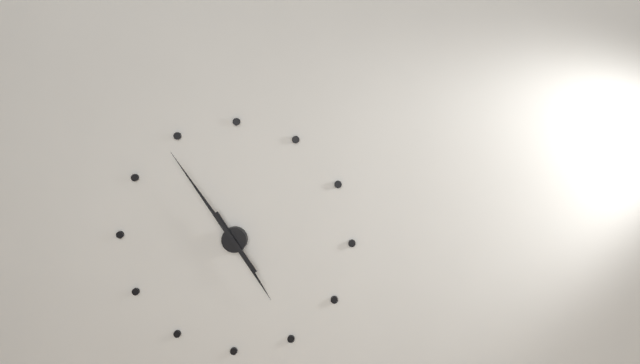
4:54
